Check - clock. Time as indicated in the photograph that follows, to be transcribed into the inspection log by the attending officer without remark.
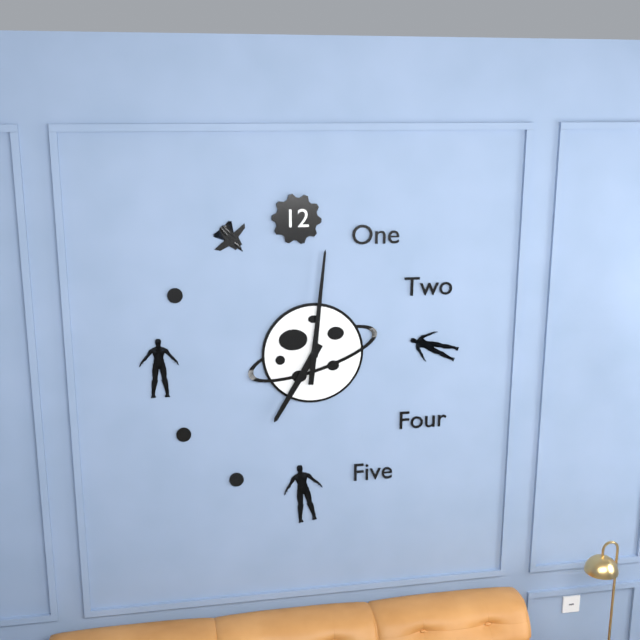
7:01
